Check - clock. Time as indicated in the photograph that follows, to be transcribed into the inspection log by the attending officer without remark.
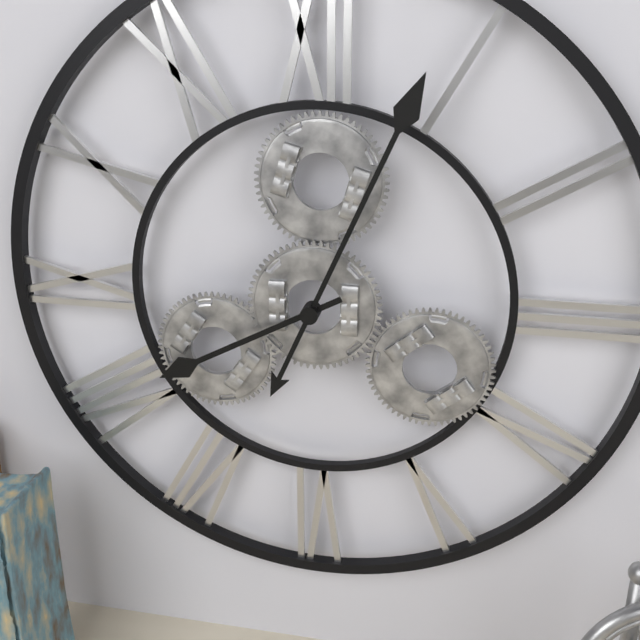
8:04
